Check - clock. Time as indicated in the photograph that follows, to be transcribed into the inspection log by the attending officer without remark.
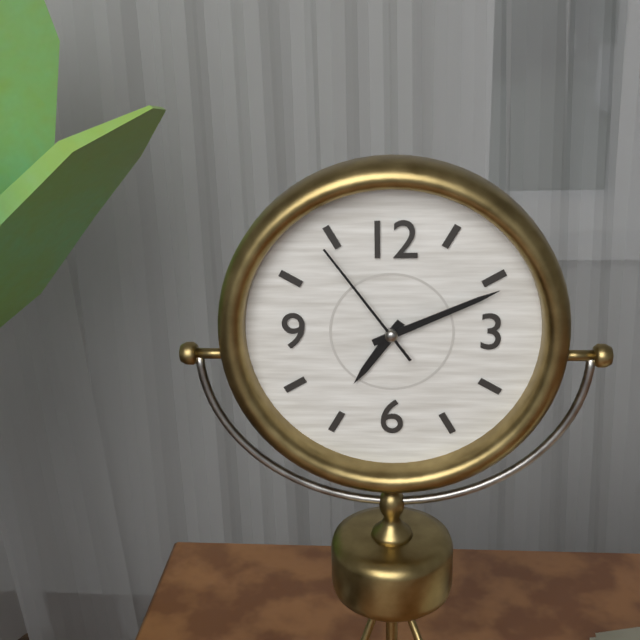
7:11:54
